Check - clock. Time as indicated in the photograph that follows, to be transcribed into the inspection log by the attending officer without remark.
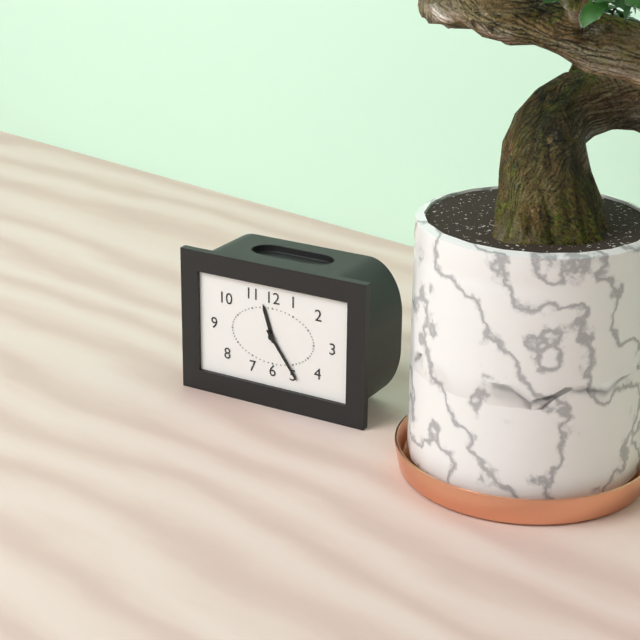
11:24
